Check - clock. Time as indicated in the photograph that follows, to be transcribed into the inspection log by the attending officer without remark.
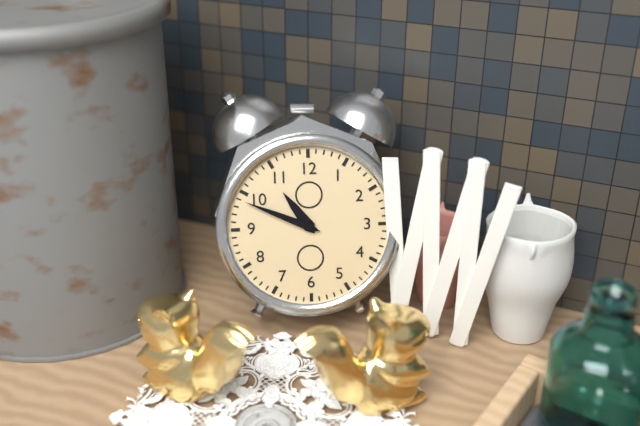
10:49
